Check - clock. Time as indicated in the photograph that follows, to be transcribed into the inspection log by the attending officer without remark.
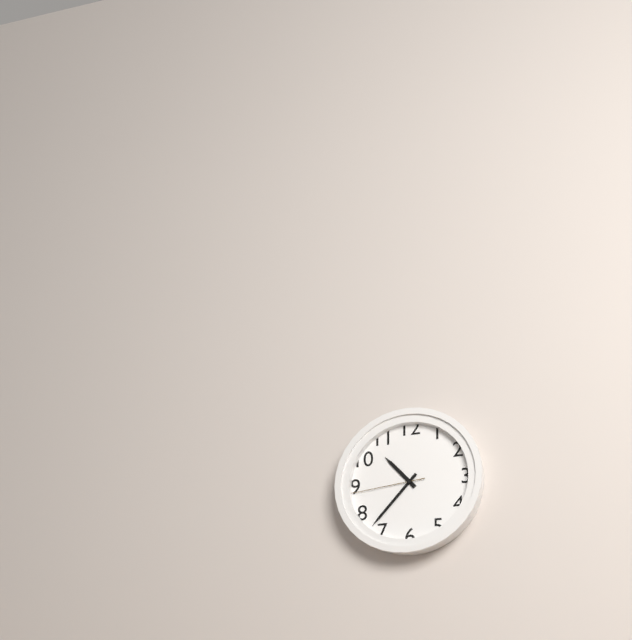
10:37:44
